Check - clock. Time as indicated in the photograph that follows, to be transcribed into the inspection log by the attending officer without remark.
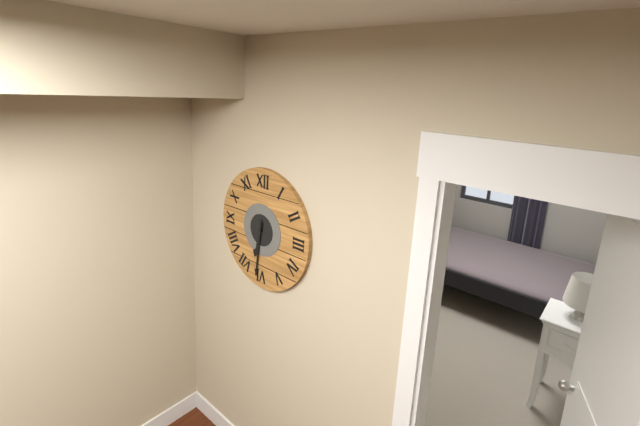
6:31
